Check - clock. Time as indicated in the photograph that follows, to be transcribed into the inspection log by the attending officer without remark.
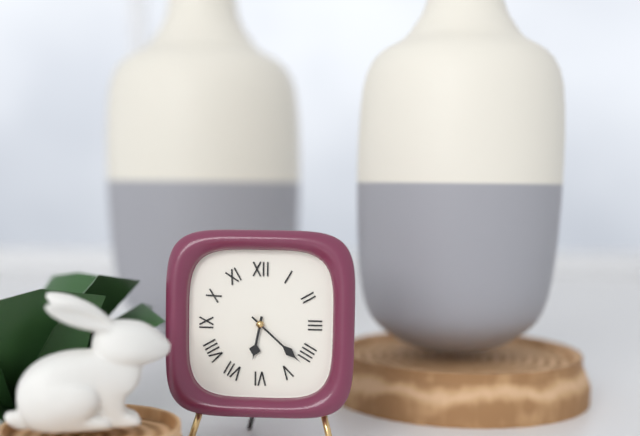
6:22
